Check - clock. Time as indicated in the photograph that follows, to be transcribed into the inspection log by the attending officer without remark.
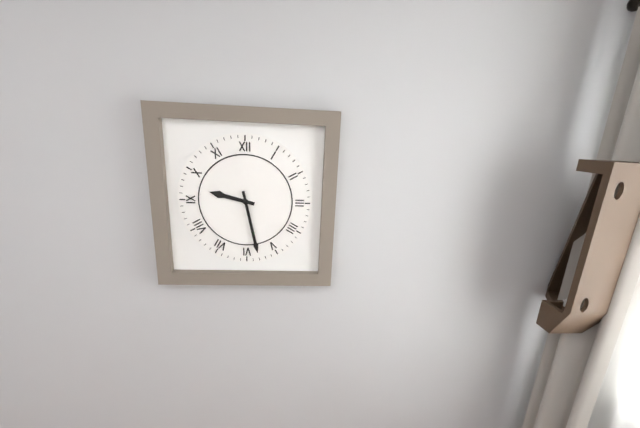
9:28
